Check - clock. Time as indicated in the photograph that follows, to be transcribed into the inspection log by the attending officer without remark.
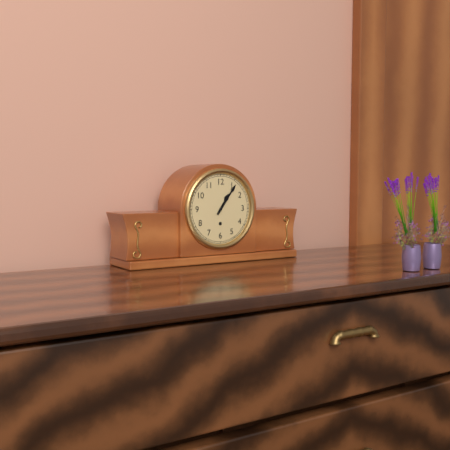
1:06
